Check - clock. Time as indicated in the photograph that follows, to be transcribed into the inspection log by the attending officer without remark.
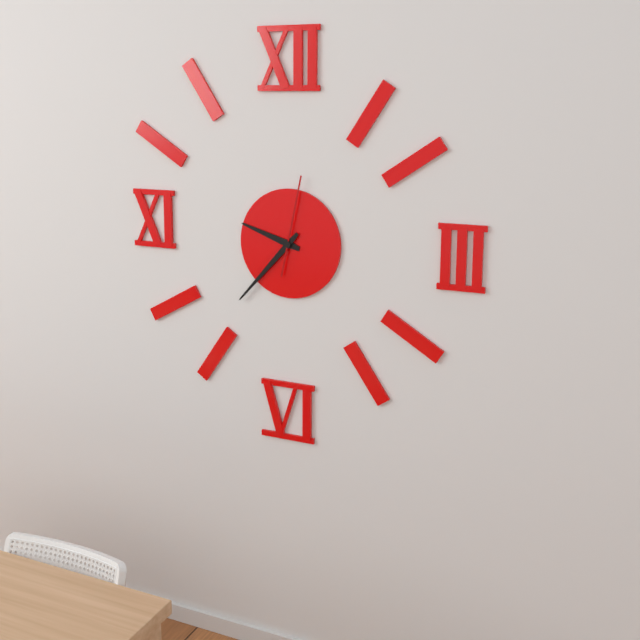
9:37:02
